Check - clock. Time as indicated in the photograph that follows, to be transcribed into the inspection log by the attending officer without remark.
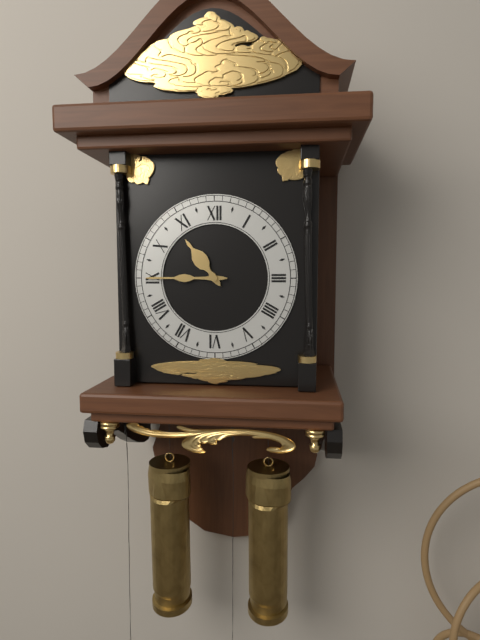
10:45
